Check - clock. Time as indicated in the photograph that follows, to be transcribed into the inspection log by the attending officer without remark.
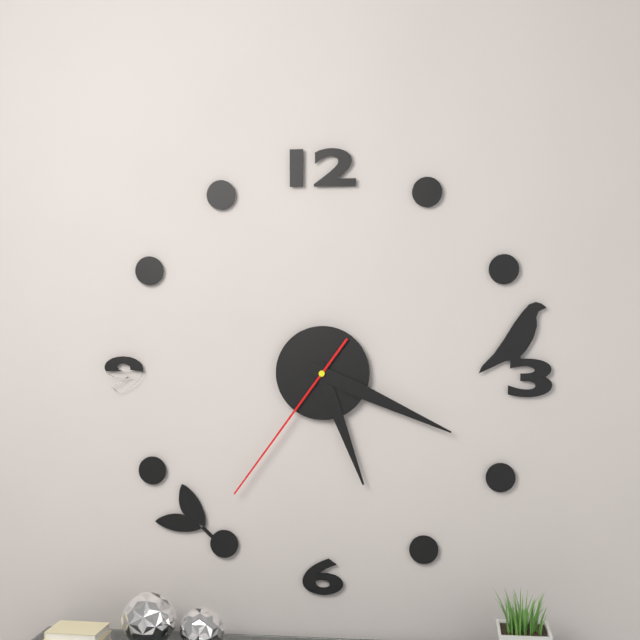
5:19:36
